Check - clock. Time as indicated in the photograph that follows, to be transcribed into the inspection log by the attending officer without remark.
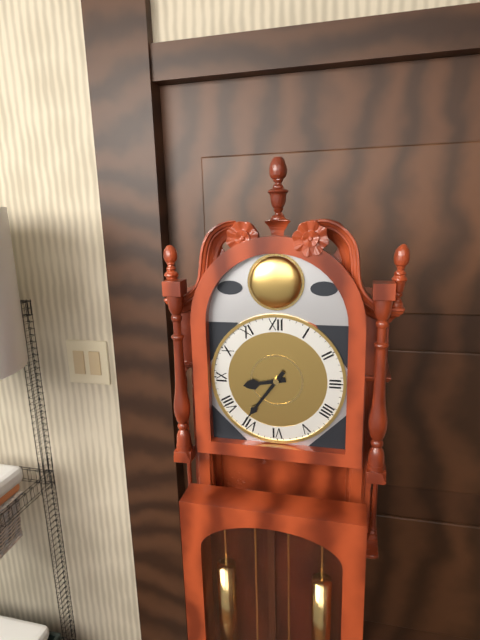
8:36
